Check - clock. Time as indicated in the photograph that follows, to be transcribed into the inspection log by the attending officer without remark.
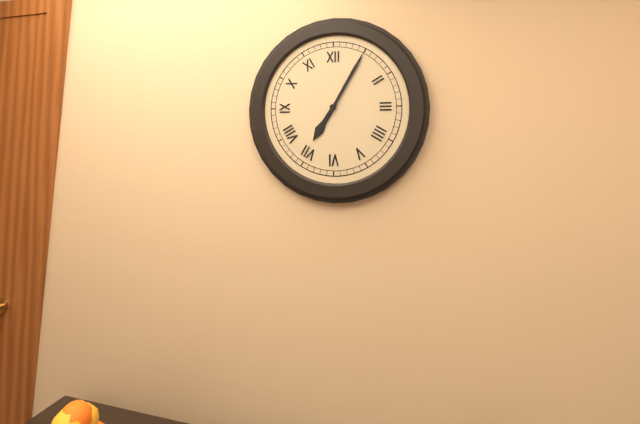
7:05
